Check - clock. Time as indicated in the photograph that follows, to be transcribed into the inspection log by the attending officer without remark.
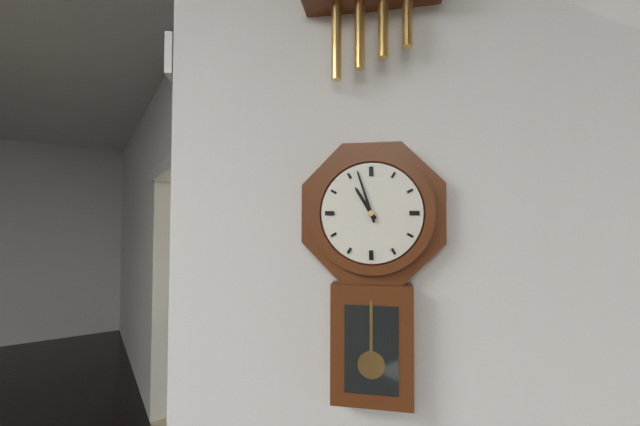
10:57
